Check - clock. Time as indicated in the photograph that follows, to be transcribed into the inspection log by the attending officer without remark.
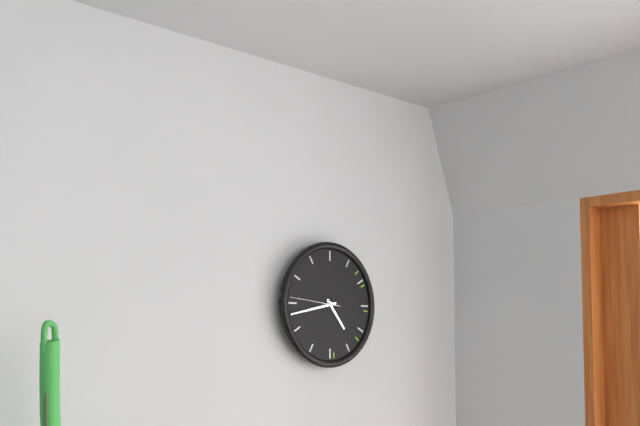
4:43
